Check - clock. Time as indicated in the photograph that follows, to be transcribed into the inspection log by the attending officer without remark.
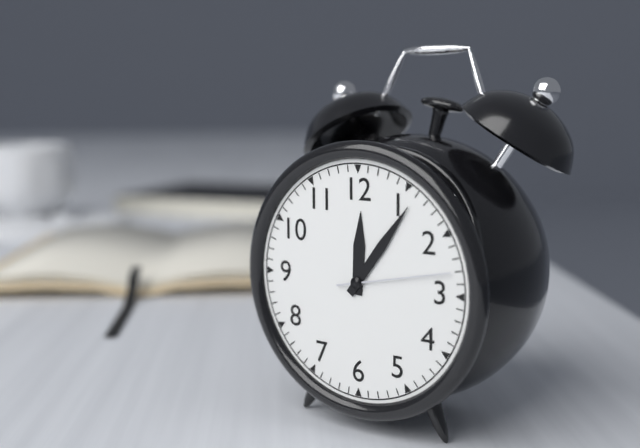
12:06:13
